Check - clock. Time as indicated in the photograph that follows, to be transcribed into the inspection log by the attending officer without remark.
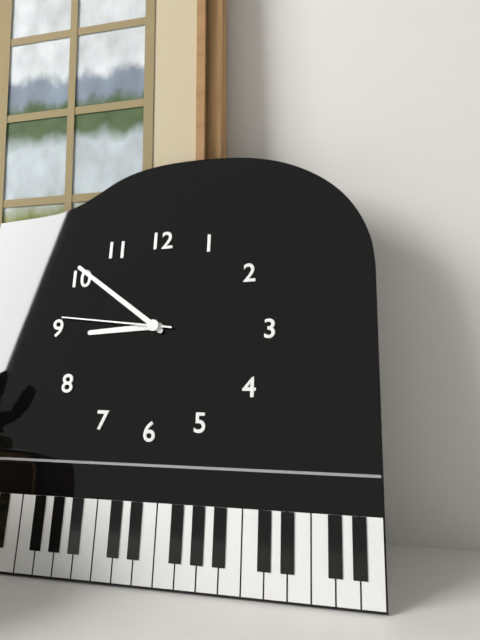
8:51:46
